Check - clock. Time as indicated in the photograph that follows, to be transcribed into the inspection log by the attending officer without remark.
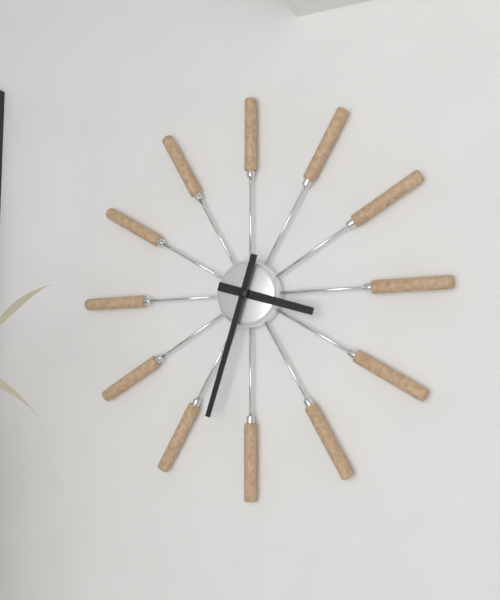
3:33
